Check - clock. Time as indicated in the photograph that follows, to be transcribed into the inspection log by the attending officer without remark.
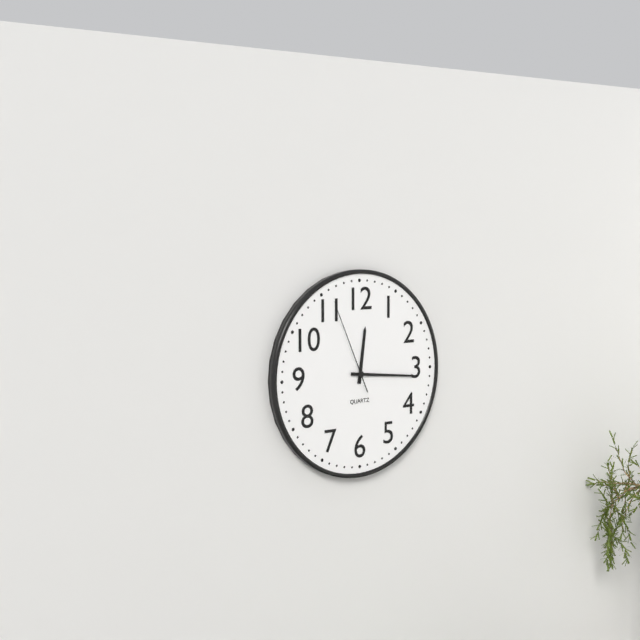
12:16:56
